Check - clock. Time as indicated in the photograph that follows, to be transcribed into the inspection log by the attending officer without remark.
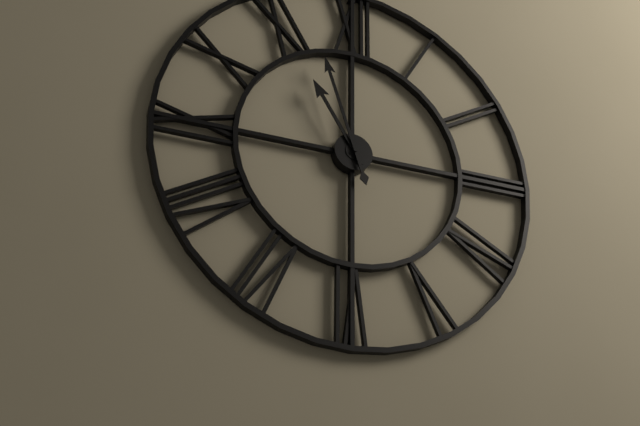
10:57
